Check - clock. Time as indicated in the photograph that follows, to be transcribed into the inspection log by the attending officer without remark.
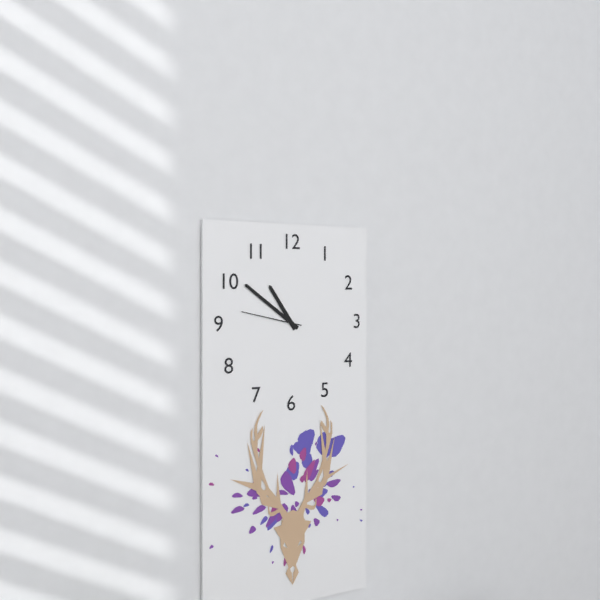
10:51:47
